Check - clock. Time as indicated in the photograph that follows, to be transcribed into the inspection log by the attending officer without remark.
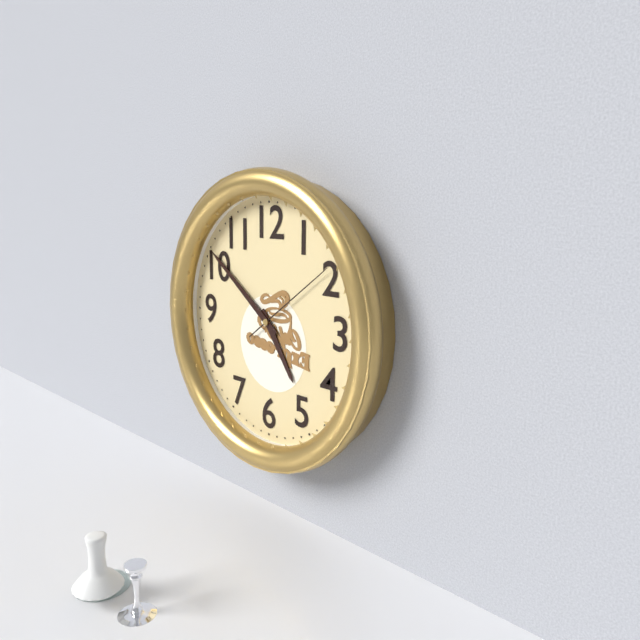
4:51:09
